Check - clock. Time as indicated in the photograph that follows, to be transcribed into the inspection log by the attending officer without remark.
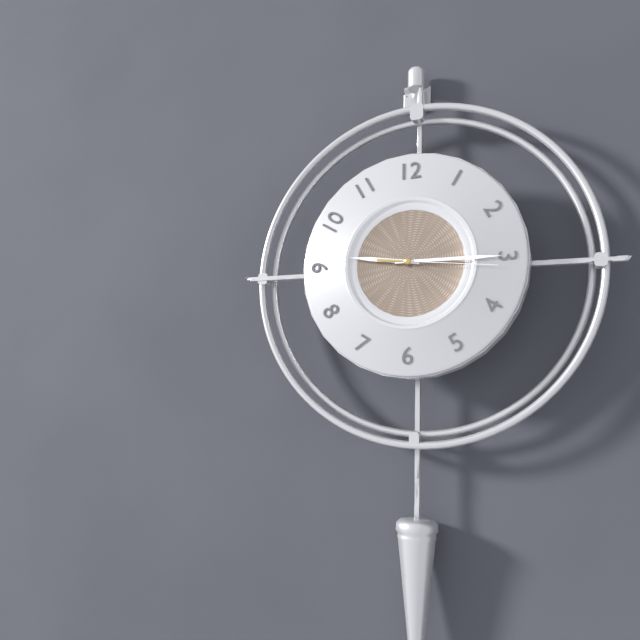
9:15:16
